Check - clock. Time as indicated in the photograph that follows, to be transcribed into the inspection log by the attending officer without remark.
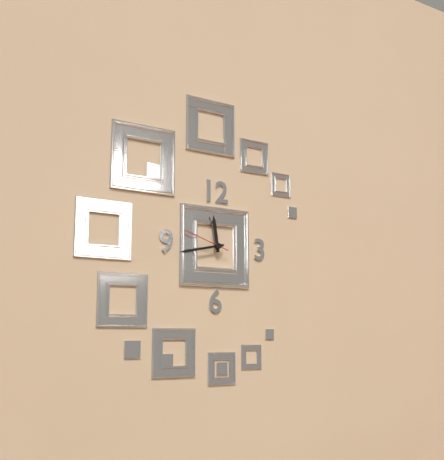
11:43
